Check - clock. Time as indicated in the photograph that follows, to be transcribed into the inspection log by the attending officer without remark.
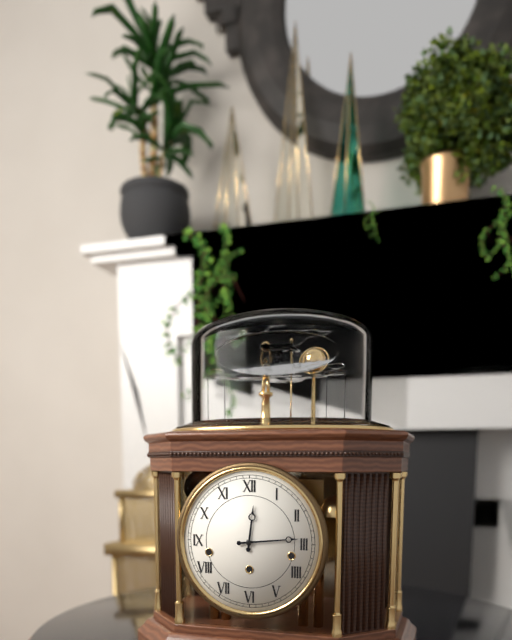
12:14
